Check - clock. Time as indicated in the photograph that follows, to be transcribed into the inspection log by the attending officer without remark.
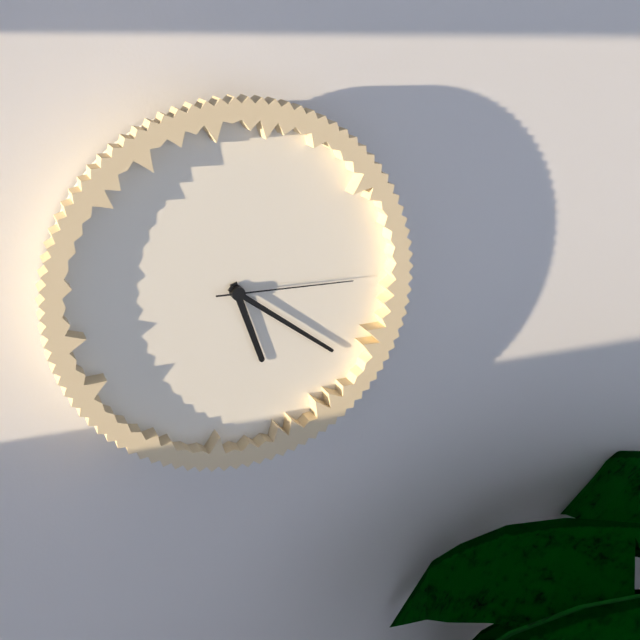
5:21:15
